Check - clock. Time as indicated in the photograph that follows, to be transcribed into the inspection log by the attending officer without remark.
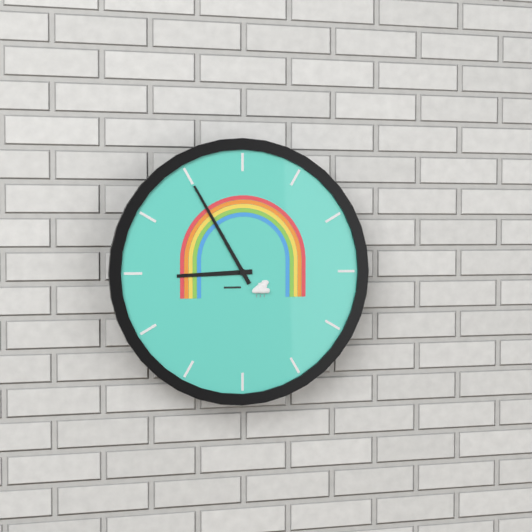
8:55
